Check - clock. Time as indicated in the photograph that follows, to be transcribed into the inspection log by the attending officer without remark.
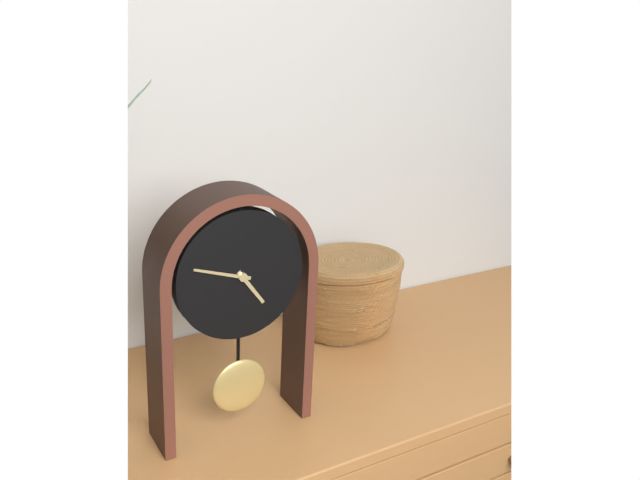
4:48
